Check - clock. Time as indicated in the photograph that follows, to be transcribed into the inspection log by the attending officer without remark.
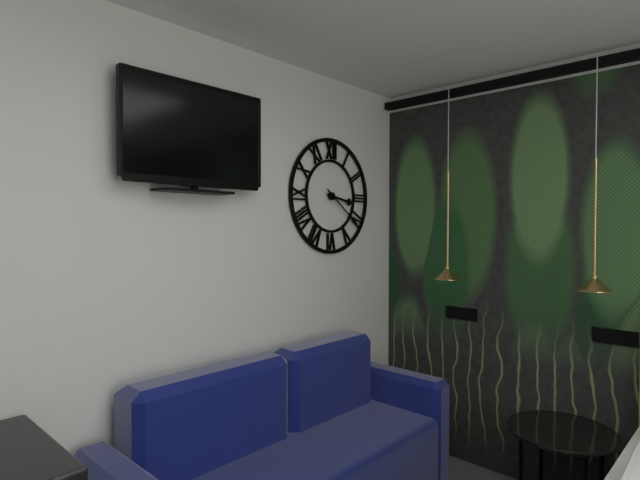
3:21
